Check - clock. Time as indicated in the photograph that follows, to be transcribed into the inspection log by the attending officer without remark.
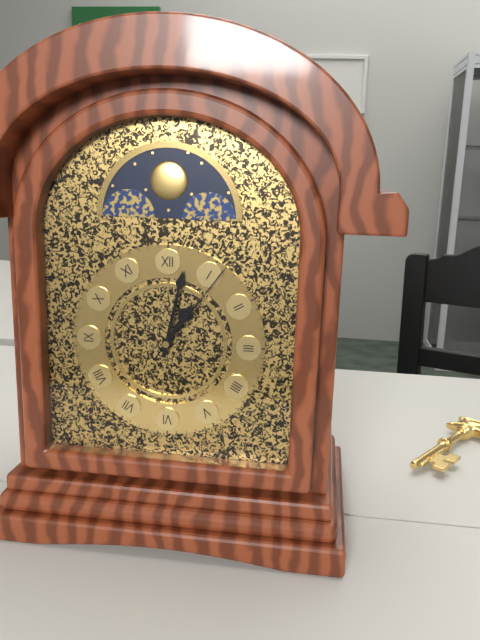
1:02:06
